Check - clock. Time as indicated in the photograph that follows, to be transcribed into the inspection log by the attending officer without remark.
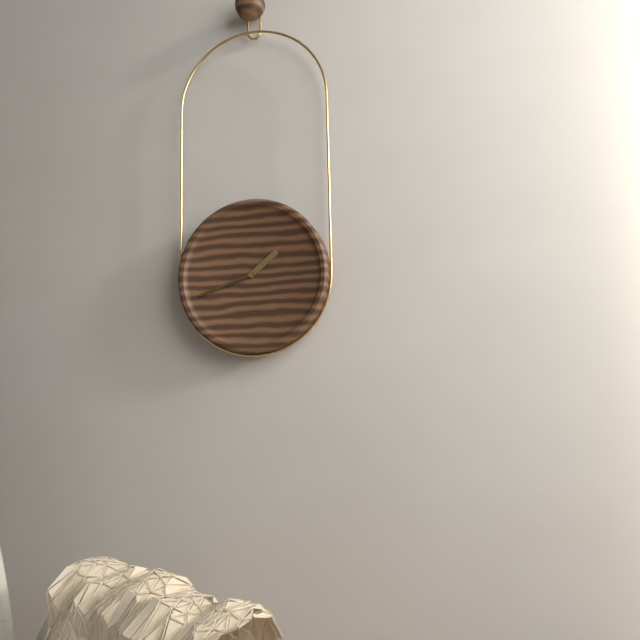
1:42
